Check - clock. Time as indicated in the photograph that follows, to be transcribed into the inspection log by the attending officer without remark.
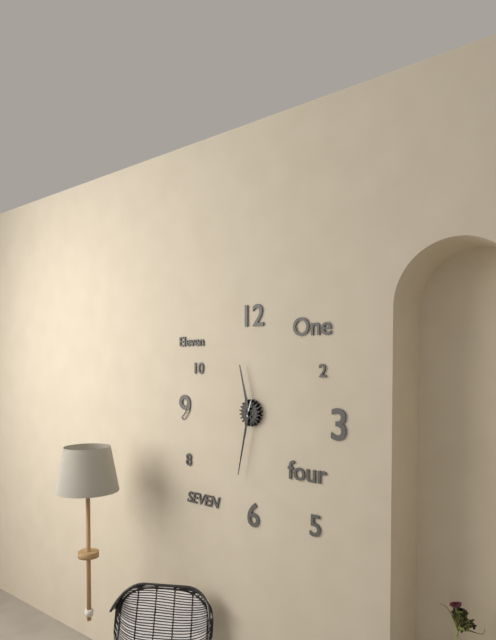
11:32
